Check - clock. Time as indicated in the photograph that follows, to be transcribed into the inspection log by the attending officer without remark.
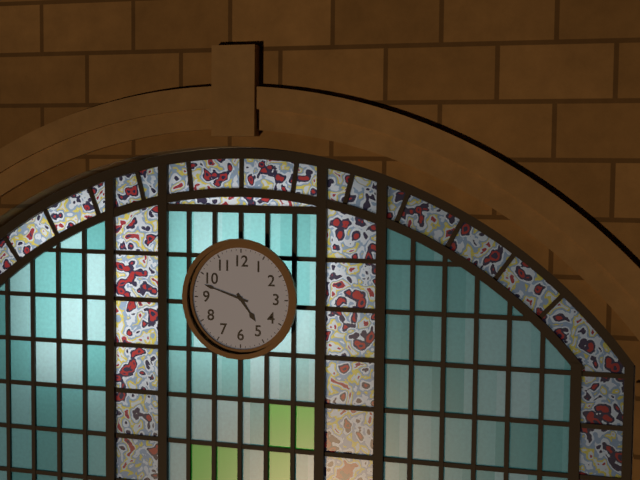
4:48
